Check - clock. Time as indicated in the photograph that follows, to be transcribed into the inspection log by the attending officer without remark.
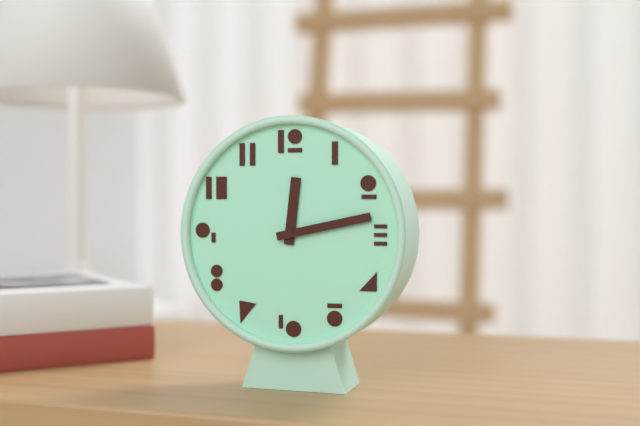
12:13
